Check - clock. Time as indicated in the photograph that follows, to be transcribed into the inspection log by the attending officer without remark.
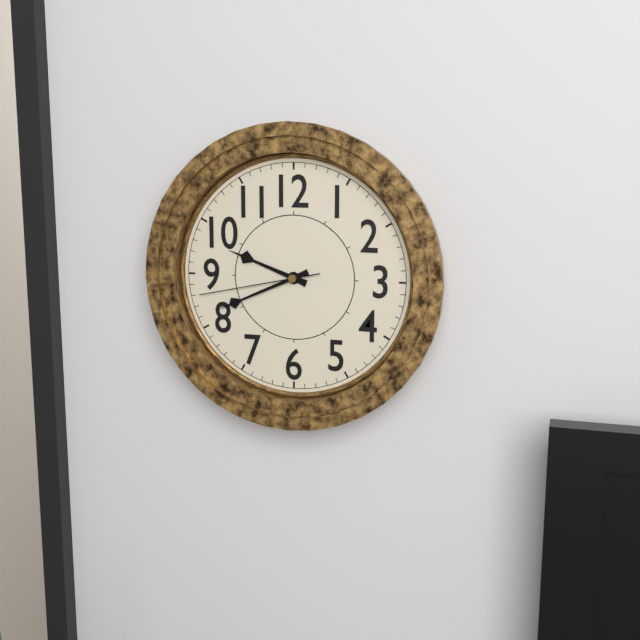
9:41:43
